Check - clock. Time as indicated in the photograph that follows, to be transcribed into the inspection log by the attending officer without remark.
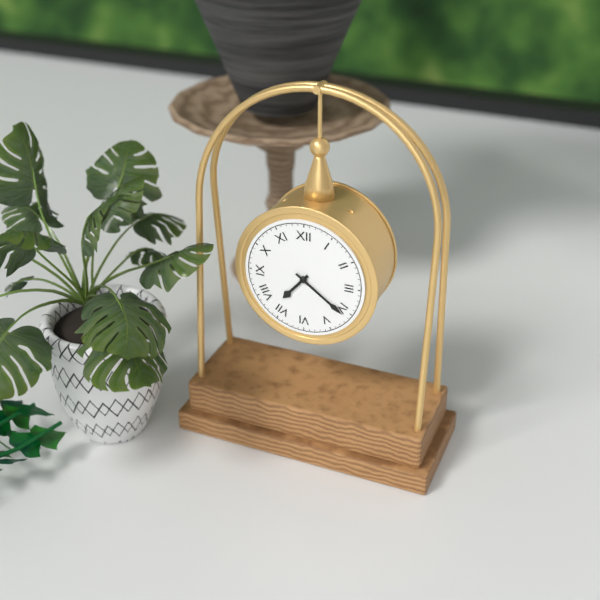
7:21
